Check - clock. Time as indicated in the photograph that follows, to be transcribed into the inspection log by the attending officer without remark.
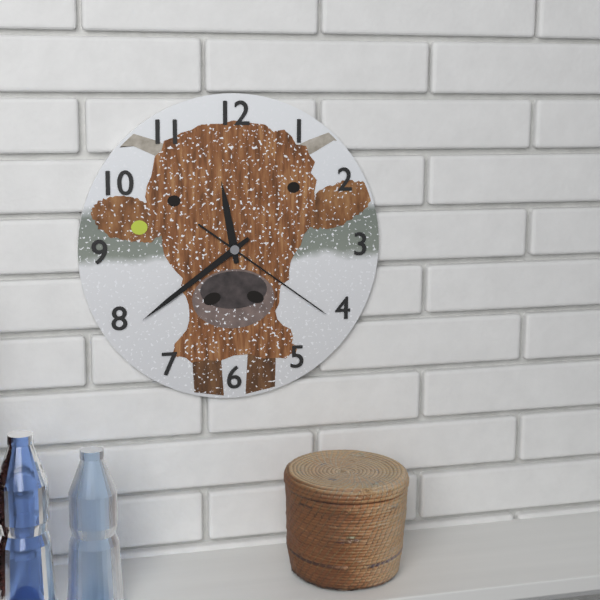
11:39:21
